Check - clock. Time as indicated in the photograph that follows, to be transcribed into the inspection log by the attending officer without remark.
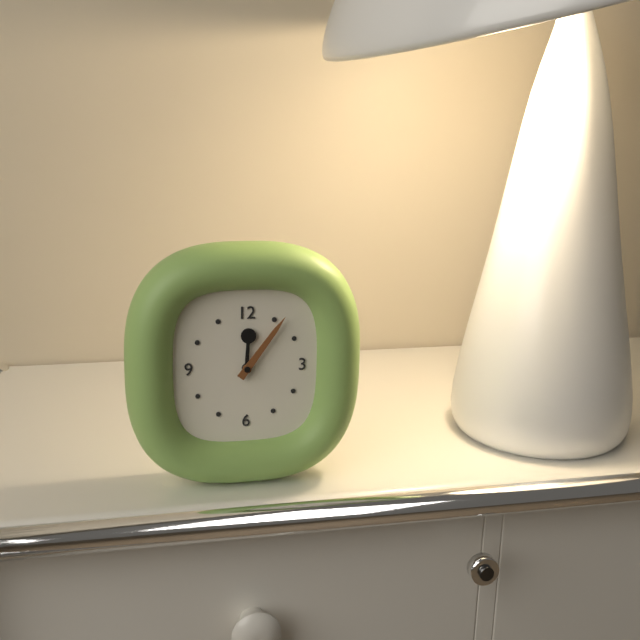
12:06
